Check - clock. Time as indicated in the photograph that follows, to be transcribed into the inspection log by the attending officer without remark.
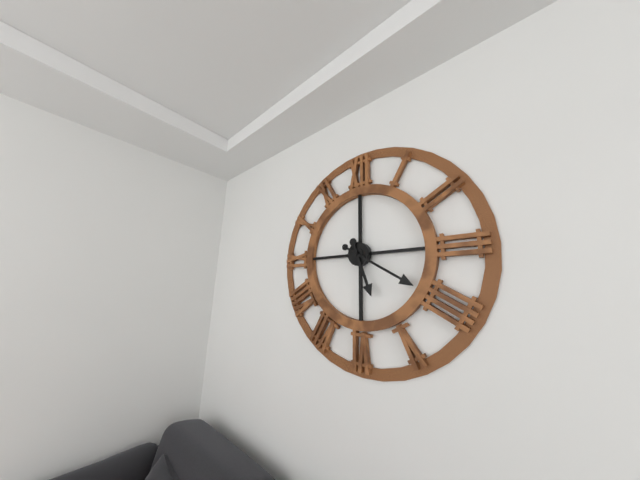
5:20
